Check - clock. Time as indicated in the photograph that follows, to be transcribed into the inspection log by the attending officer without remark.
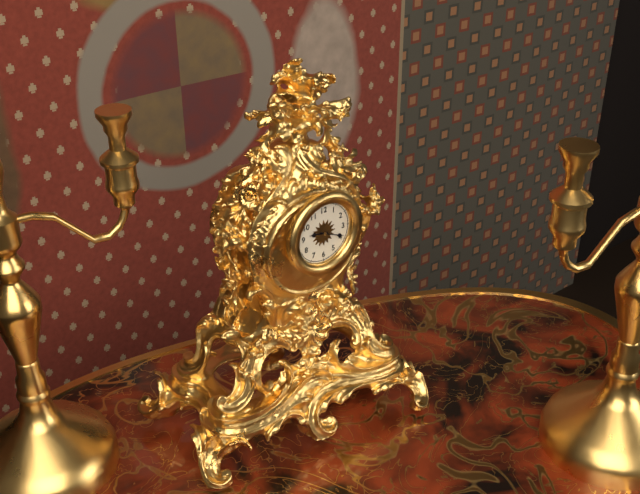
9:19
